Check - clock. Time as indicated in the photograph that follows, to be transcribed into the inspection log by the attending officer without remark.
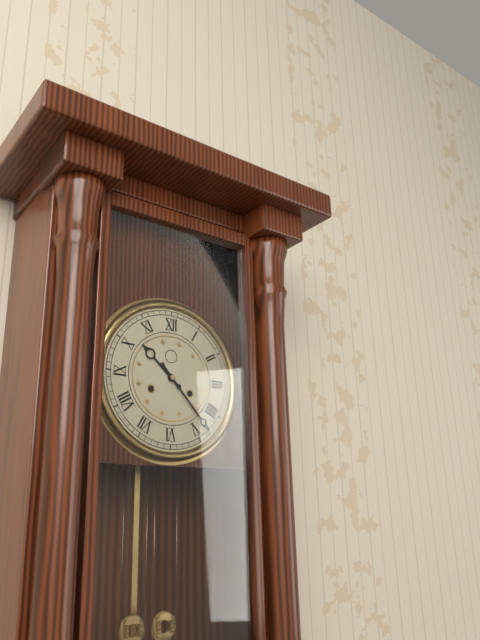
10:23
